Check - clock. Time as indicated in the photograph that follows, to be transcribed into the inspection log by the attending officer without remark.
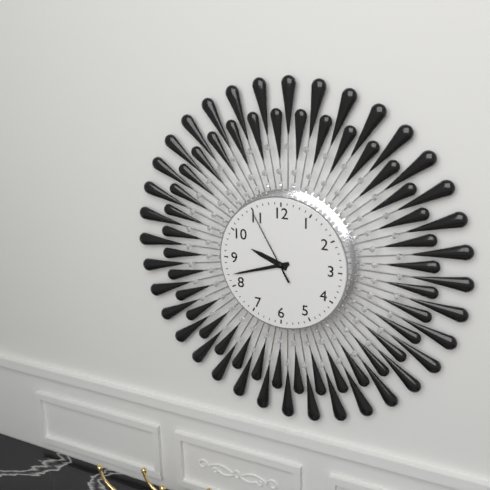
9:42:55
